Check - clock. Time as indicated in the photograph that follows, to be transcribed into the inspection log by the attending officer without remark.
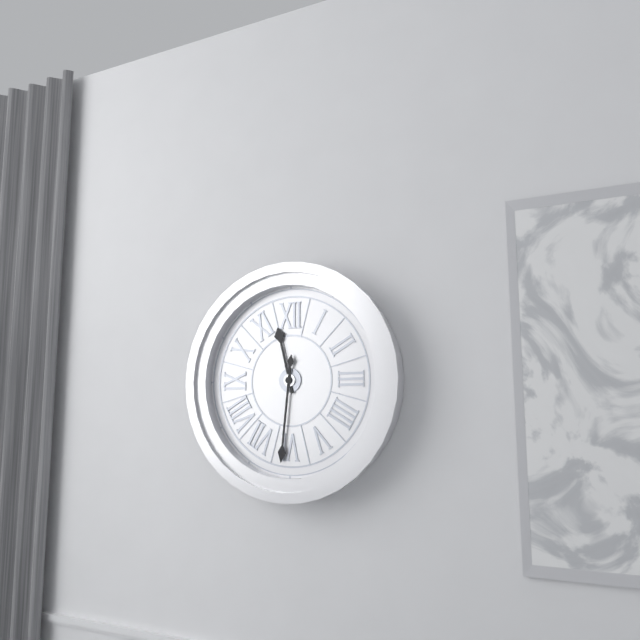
11:31
